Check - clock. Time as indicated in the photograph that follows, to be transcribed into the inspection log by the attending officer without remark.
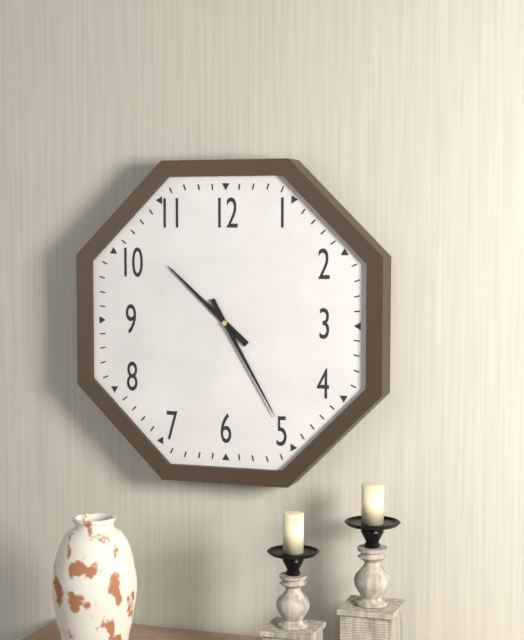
10:25
